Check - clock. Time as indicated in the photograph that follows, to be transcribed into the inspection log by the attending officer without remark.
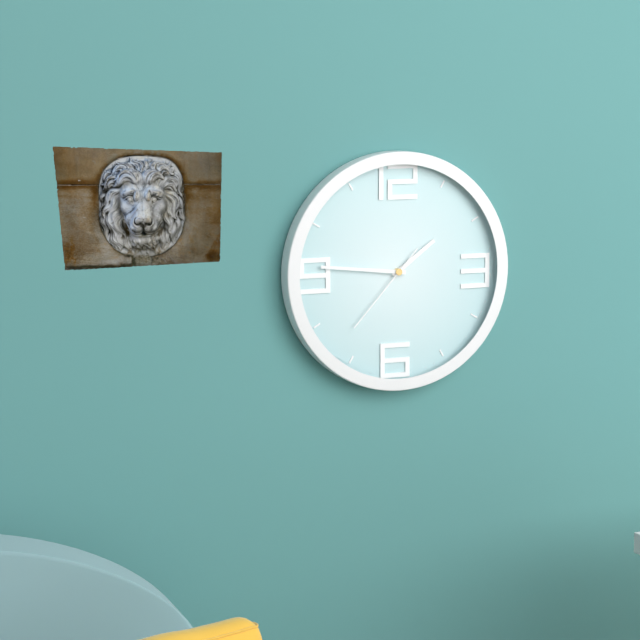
1:46:37
